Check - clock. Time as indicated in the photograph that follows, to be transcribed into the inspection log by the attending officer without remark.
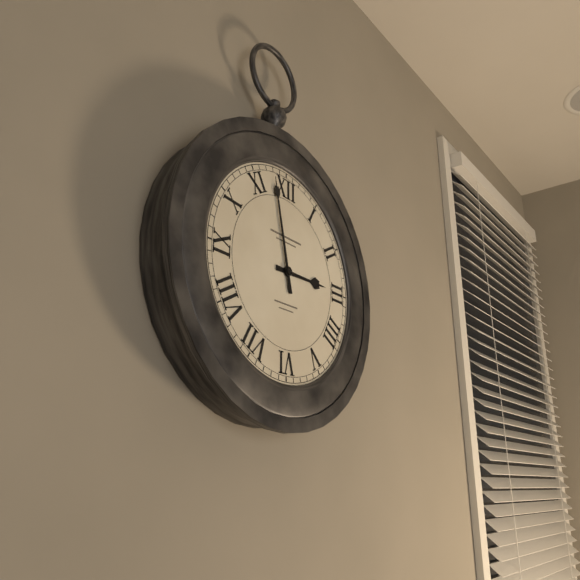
2:58
